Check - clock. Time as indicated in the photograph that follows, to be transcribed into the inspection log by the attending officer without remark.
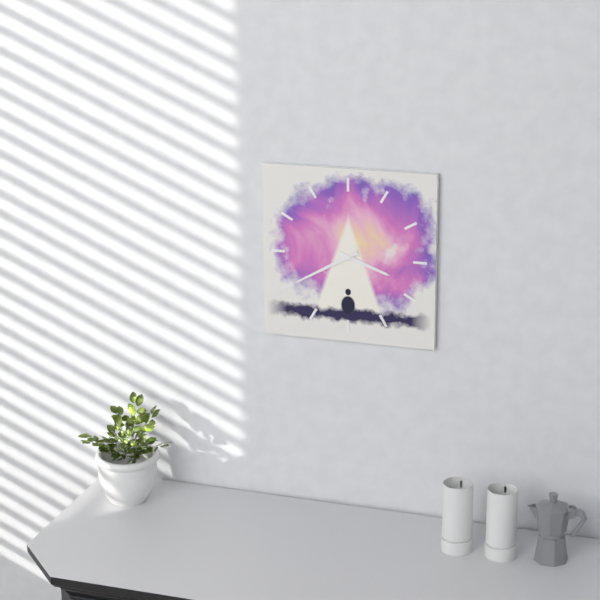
3:40
